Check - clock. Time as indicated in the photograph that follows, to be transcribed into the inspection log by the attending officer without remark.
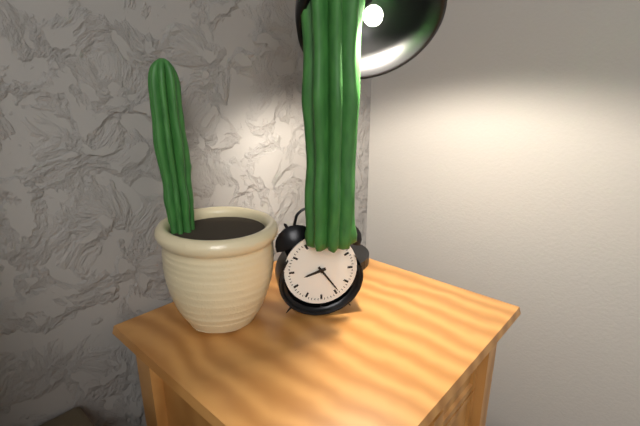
8:24
